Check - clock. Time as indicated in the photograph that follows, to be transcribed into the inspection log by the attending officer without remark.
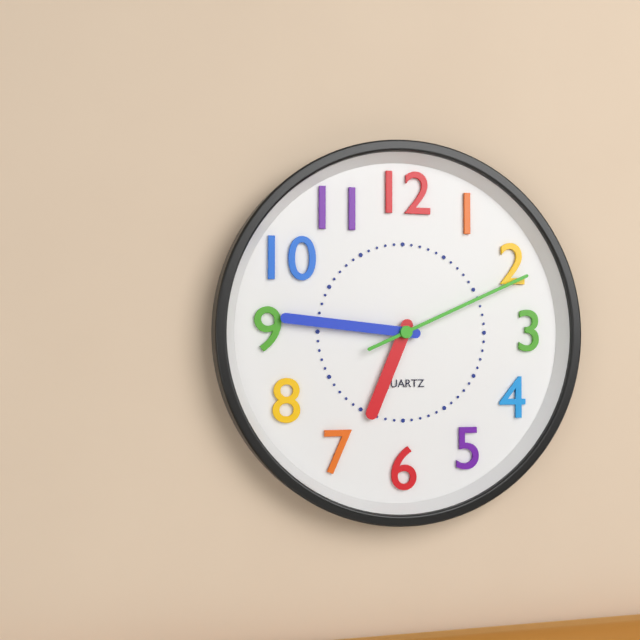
6:46:11
